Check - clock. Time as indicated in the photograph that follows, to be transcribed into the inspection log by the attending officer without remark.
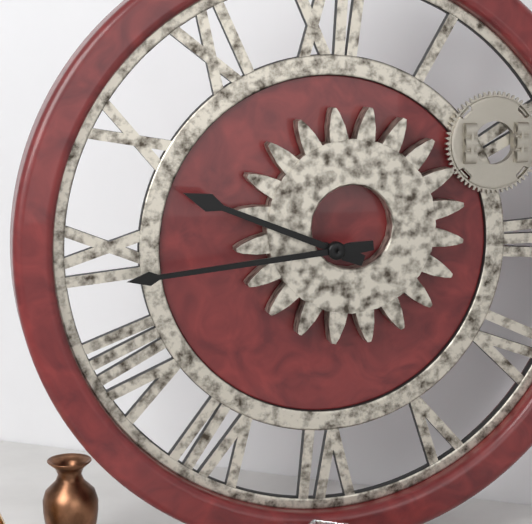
9:44
